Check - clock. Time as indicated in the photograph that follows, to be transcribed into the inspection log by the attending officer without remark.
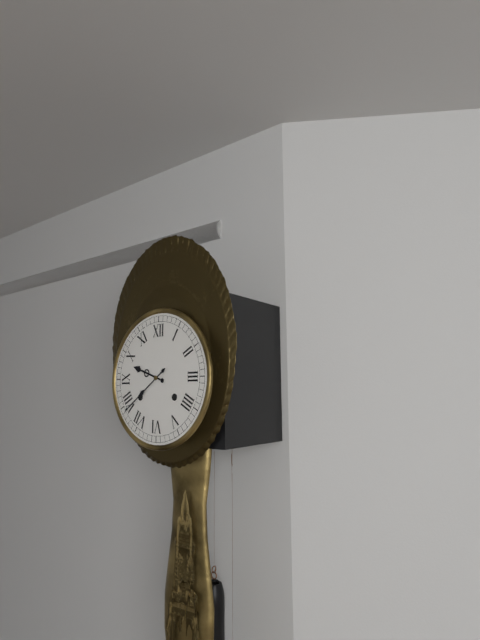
9:39
